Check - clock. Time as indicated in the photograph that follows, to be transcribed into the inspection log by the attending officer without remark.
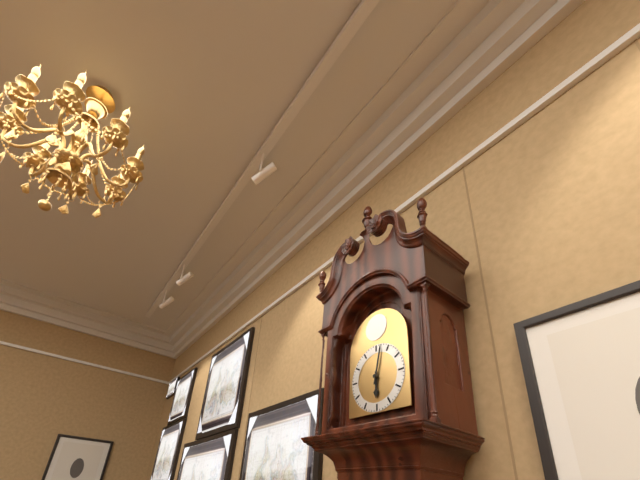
6:02
